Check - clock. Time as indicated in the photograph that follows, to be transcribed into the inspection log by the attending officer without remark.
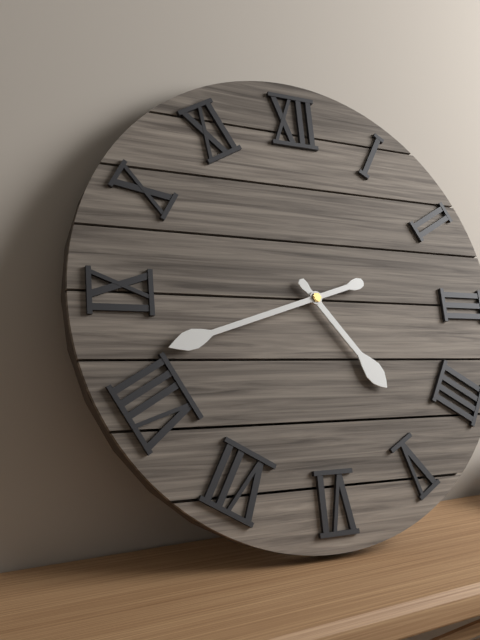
4:42
